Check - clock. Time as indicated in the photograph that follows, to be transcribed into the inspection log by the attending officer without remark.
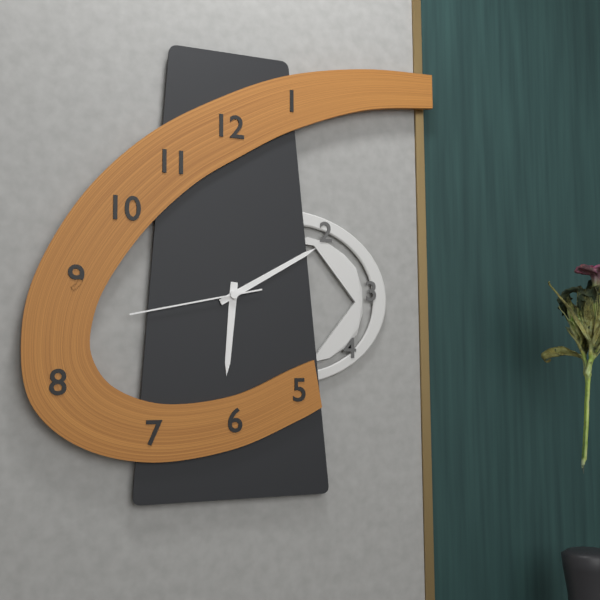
6:10:43
